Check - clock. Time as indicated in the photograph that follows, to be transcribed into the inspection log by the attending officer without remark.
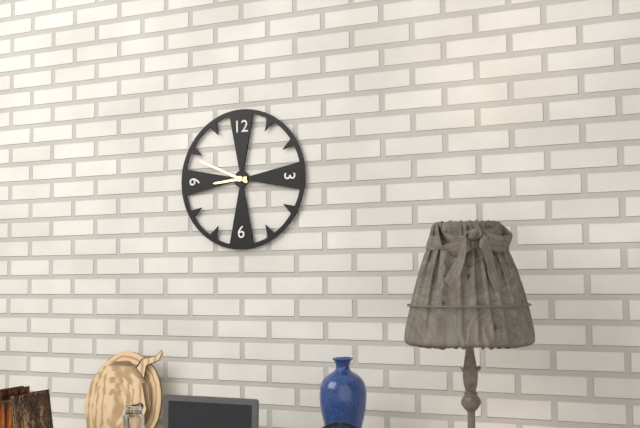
8:49
